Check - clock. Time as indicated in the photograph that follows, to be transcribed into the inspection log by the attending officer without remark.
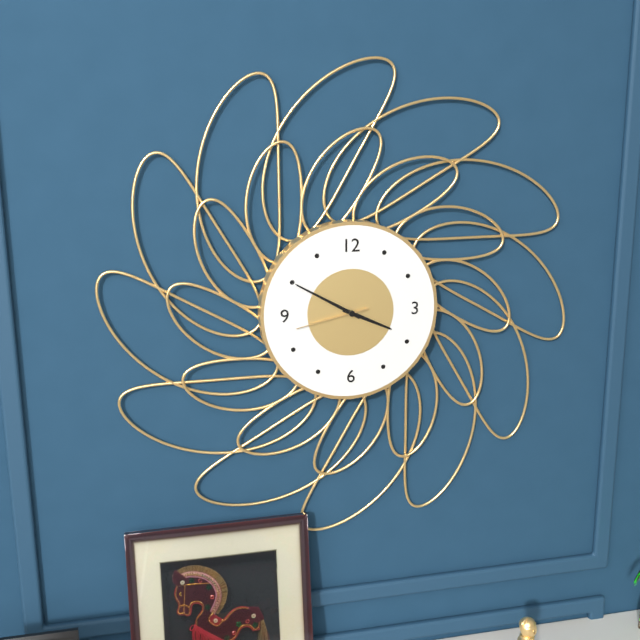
3:50:43
